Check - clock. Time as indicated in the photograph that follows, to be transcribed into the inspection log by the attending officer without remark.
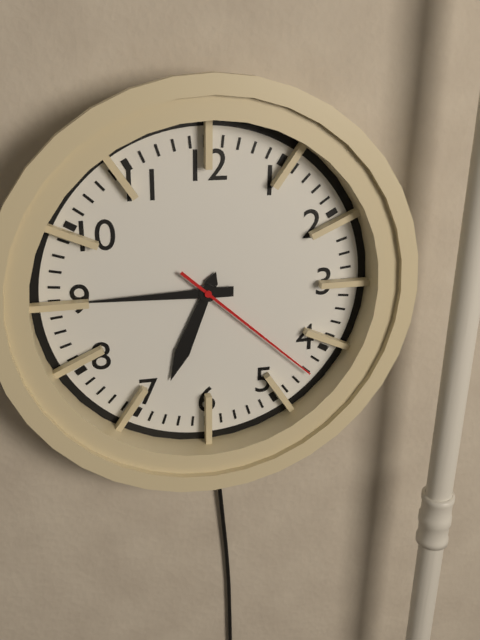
6:45:22
